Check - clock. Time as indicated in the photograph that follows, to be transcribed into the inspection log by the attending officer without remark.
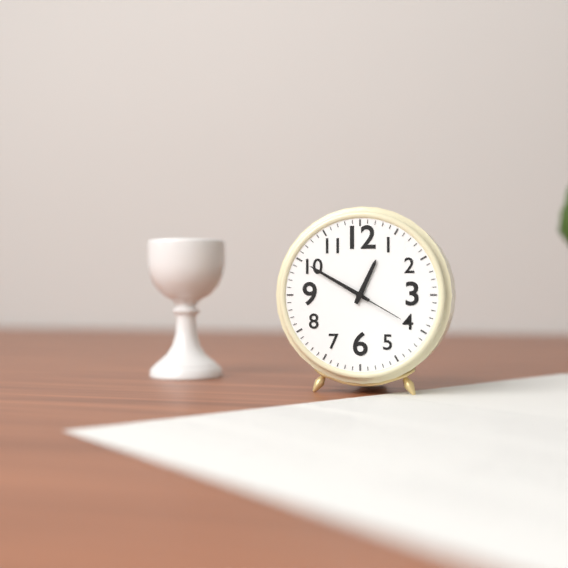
12:50:20
